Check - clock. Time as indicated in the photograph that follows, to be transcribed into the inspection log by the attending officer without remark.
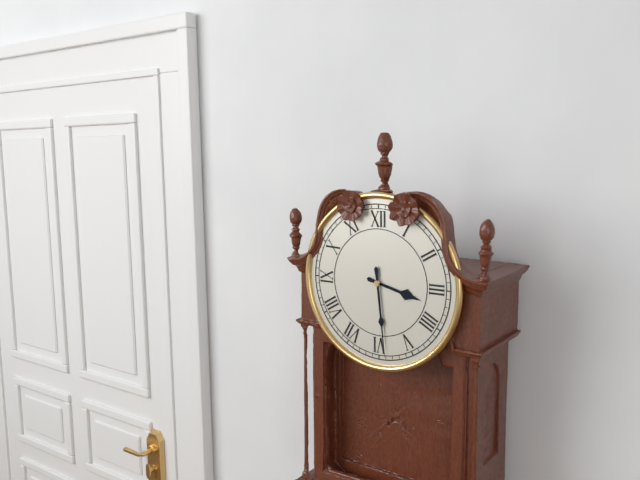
3:29
